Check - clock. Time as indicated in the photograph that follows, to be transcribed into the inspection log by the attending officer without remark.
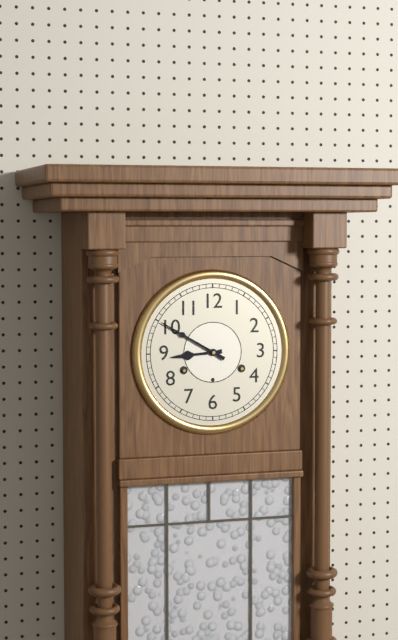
8:50
